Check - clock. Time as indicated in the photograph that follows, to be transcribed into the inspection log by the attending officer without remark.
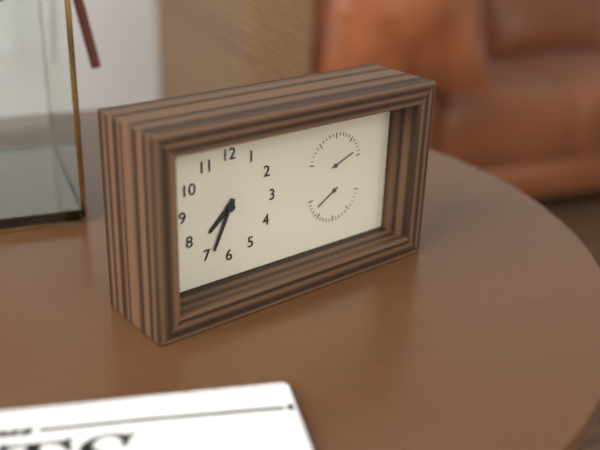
7:34
